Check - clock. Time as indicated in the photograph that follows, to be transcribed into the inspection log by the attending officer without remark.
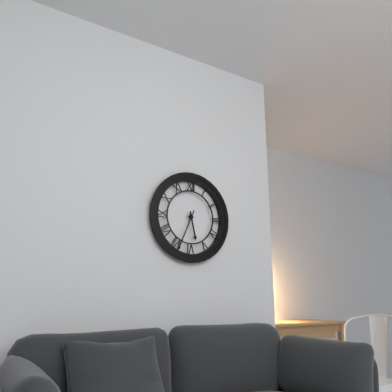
5:34
